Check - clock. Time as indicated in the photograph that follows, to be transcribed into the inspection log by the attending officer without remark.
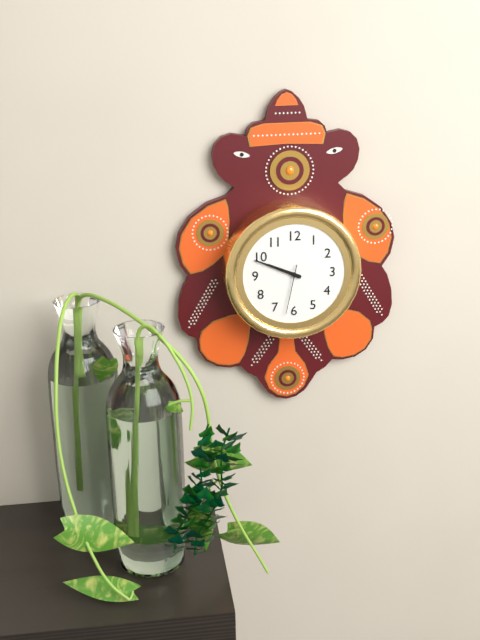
9:49:32
